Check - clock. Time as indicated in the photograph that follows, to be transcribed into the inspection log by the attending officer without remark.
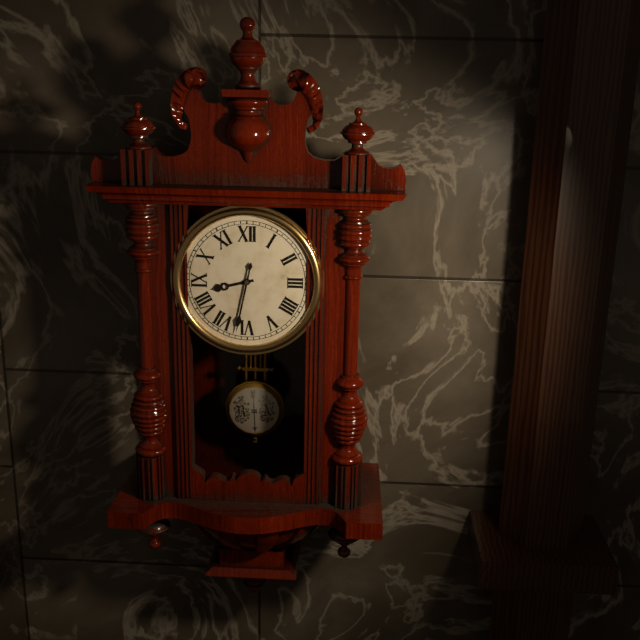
8:32
